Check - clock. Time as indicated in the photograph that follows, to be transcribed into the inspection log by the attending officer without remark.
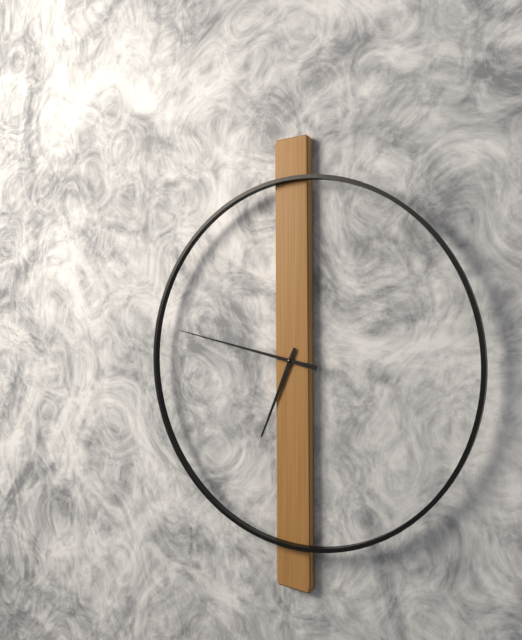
6:47
